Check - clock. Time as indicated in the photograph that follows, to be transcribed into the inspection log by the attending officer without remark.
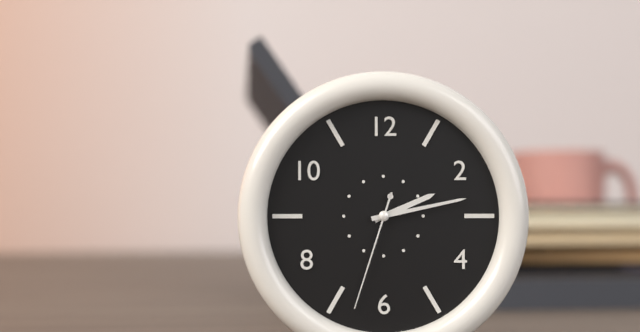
2:13:33
